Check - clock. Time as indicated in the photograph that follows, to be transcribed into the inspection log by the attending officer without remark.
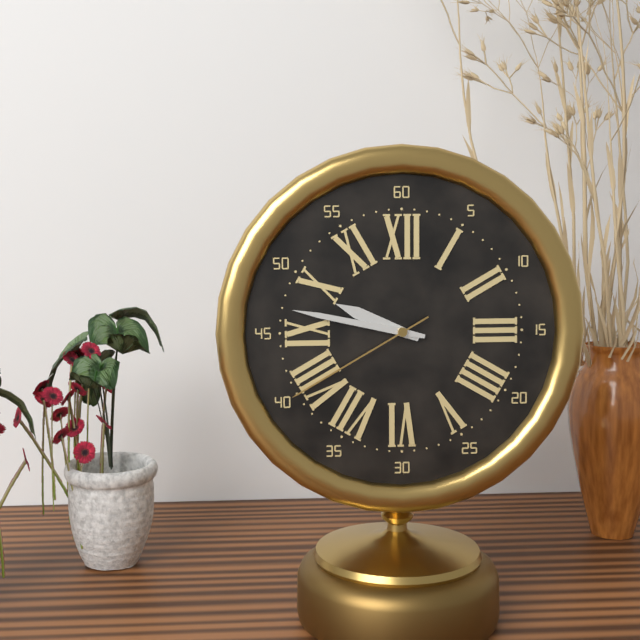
9:47:40
